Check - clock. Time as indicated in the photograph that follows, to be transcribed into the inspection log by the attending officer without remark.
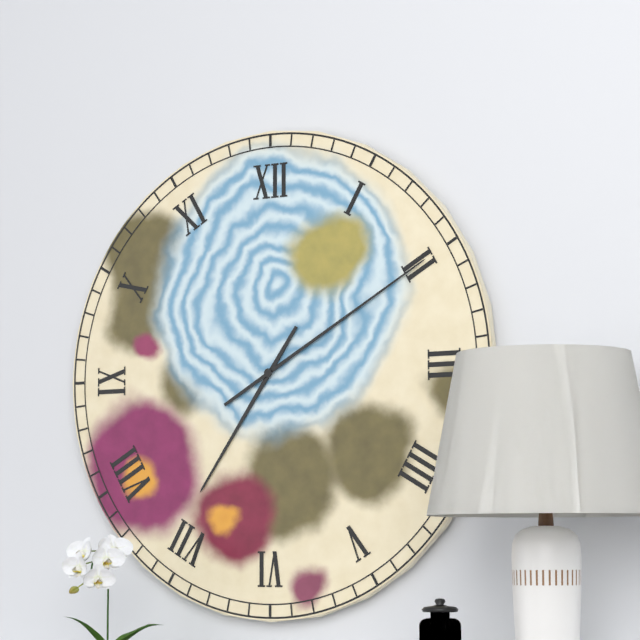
7:10
